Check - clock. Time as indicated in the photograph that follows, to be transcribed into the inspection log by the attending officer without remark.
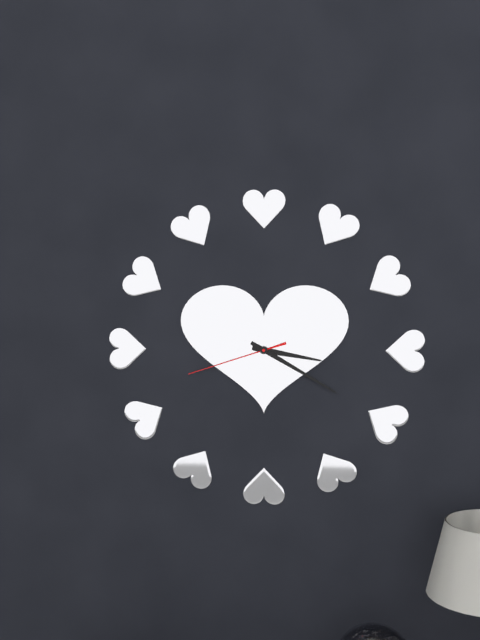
3:20:42
